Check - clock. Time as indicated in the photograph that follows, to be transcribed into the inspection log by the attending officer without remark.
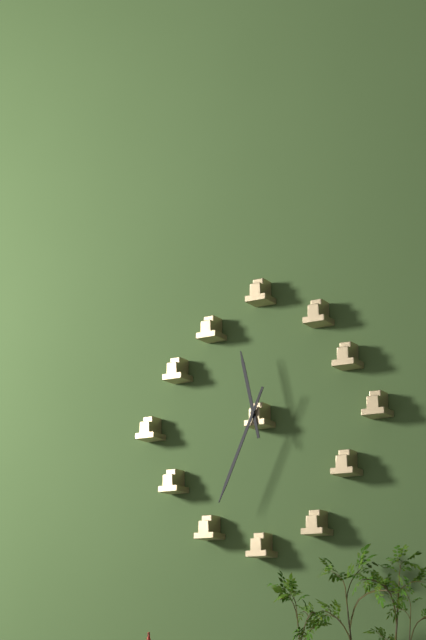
11:34
